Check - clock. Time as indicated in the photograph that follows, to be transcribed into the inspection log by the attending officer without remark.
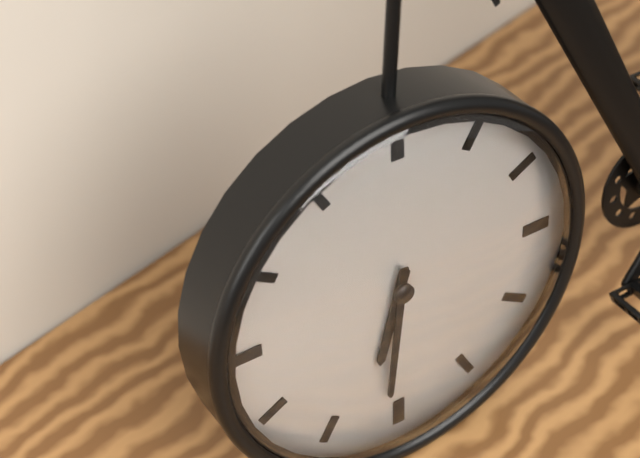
6:31
